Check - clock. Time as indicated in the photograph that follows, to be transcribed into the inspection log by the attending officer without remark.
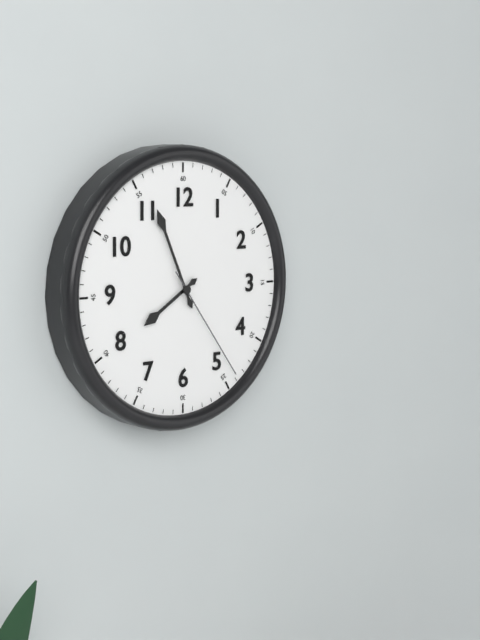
7:56:24
